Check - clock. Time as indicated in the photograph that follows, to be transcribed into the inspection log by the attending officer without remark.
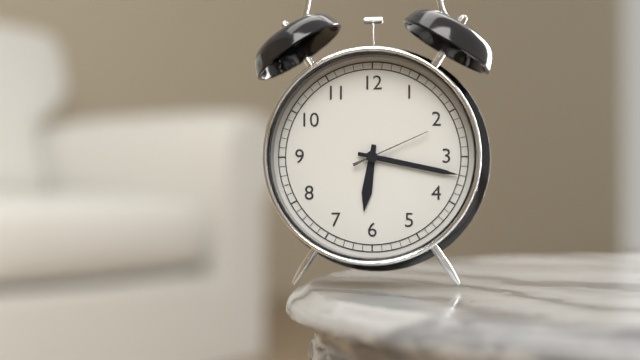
6:17:11
